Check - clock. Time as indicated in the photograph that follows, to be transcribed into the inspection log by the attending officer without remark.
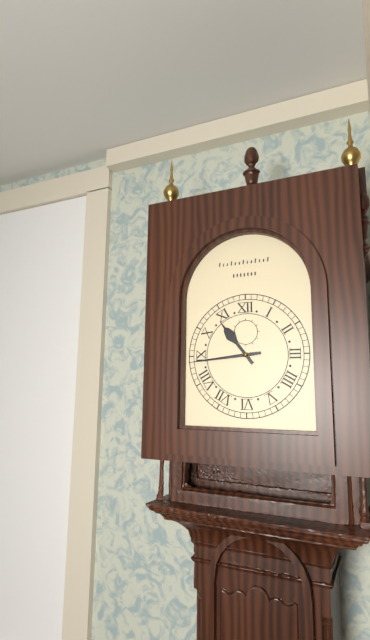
10:44
